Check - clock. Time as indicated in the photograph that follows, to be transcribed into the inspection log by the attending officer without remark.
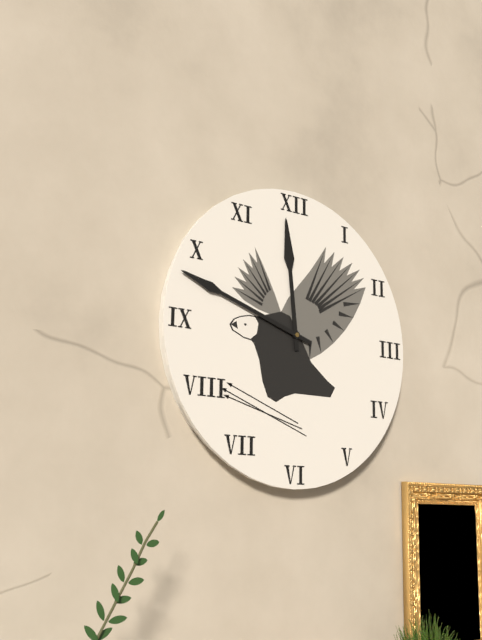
11:48
